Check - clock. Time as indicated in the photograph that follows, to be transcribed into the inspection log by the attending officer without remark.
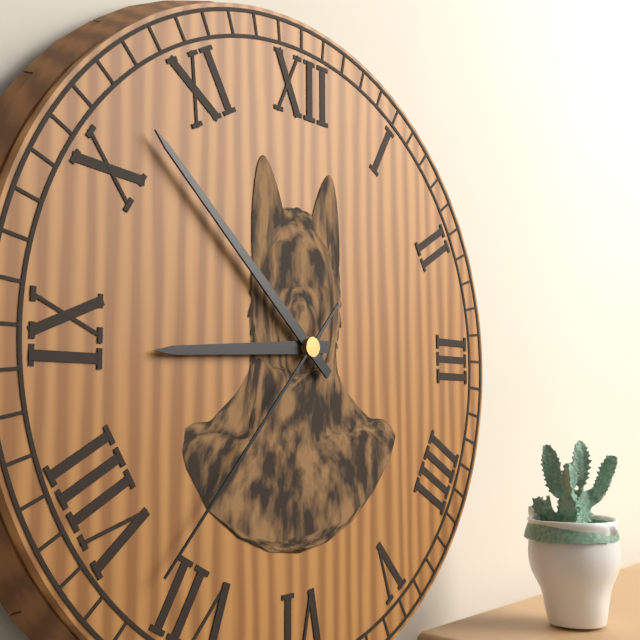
8:52:37
